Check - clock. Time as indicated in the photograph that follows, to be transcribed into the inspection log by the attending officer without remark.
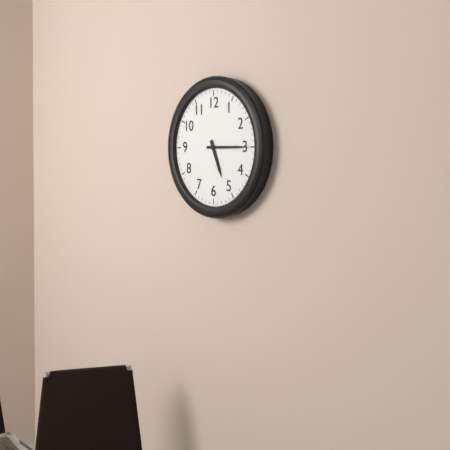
5:15
